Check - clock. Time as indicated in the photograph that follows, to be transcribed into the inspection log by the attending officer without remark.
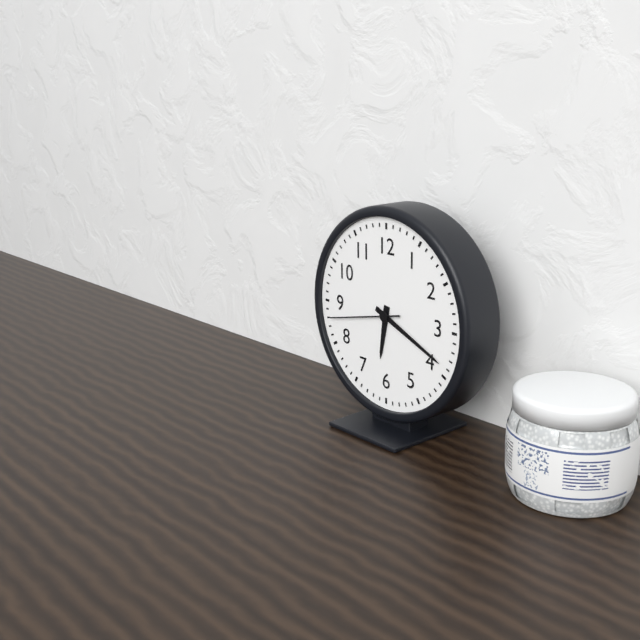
6:19:43
